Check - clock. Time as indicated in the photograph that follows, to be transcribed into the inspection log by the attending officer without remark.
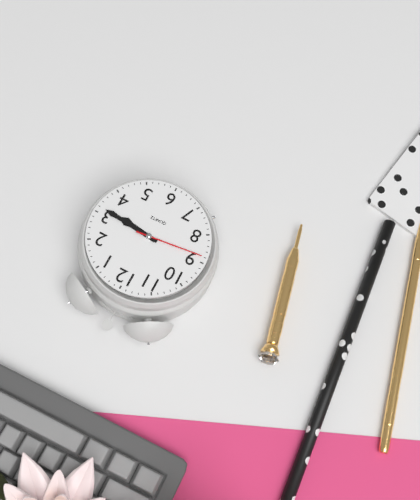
3:16:44
